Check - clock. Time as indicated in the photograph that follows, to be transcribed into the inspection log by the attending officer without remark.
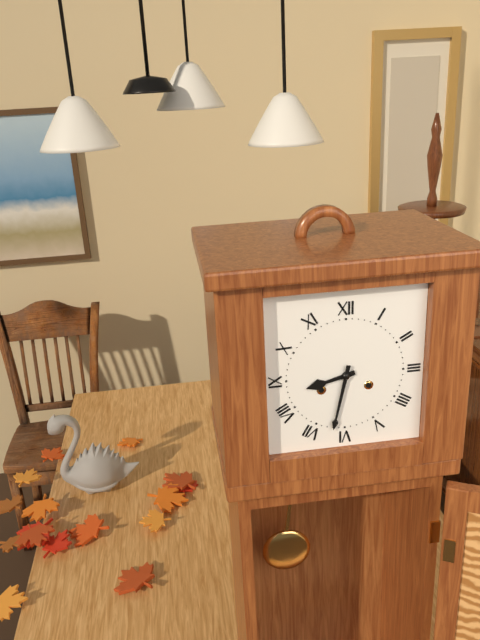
8:32
